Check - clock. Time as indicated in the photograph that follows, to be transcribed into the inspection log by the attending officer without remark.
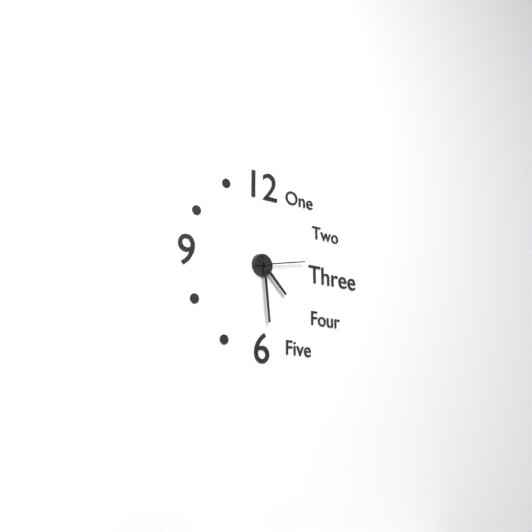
4:29:13
